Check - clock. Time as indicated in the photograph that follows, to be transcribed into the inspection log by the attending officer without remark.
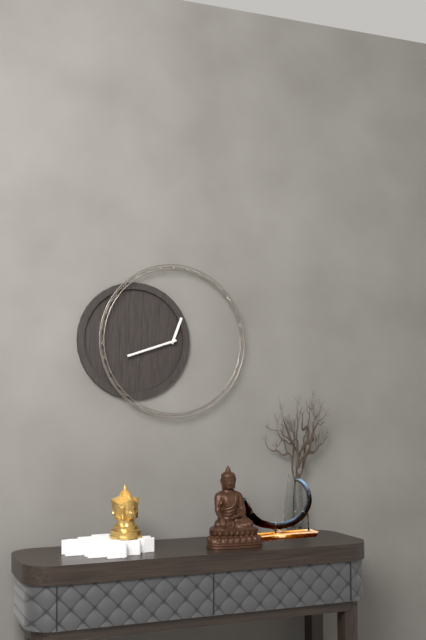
12:42
